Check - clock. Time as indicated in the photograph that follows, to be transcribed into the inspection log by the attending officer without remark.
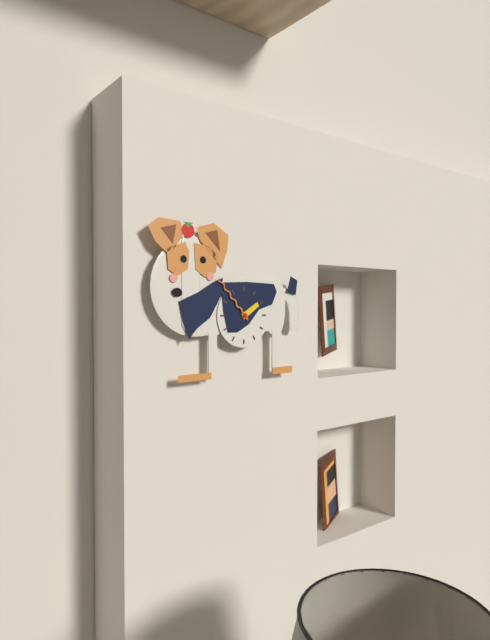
1:53
